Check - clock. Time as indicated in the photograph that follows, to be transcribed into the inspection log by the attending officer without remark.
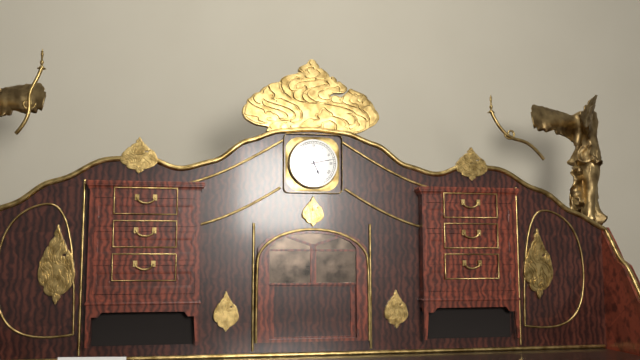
5:13
